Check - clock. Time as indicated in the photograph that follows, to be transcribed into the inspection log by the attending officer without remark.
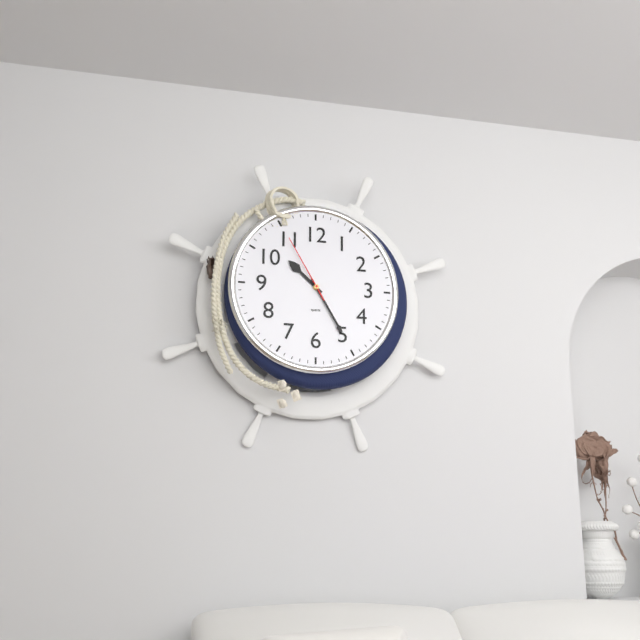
10:25:55
